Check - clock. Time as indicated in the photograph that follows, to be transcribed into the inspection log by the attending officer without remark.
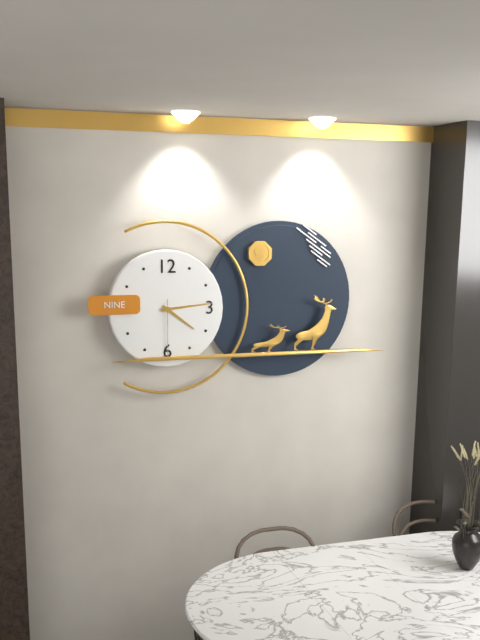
4:14:30
